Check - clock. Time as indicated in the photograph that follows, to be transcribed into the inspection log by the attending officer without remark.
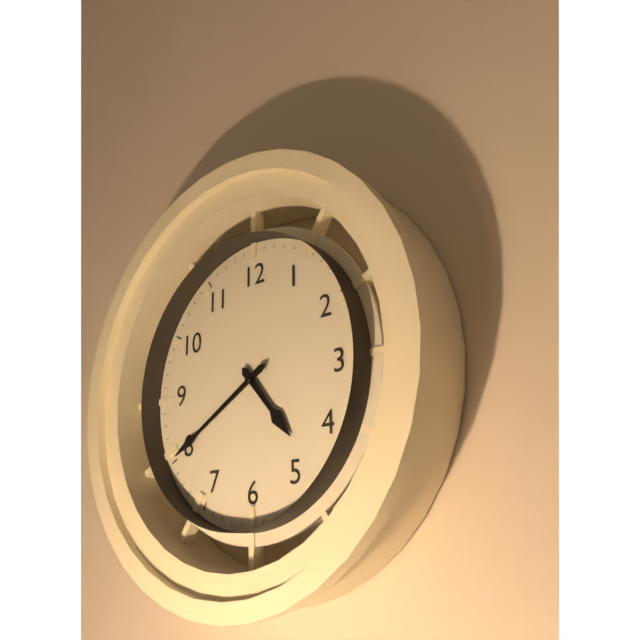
4:40
